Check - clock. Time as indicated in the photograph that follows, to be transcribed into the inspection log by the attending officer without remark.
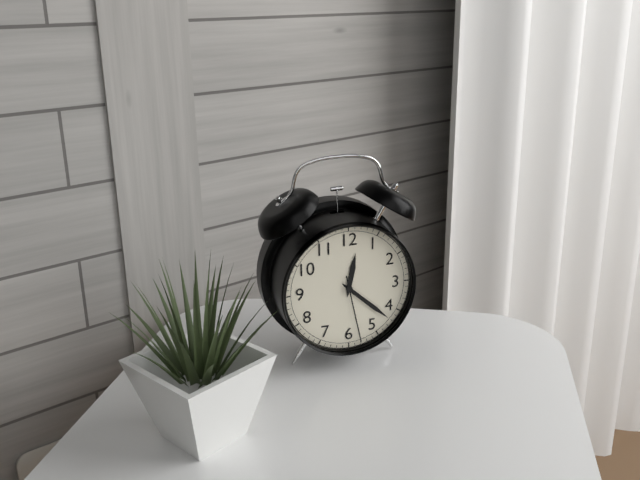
12:22:28
